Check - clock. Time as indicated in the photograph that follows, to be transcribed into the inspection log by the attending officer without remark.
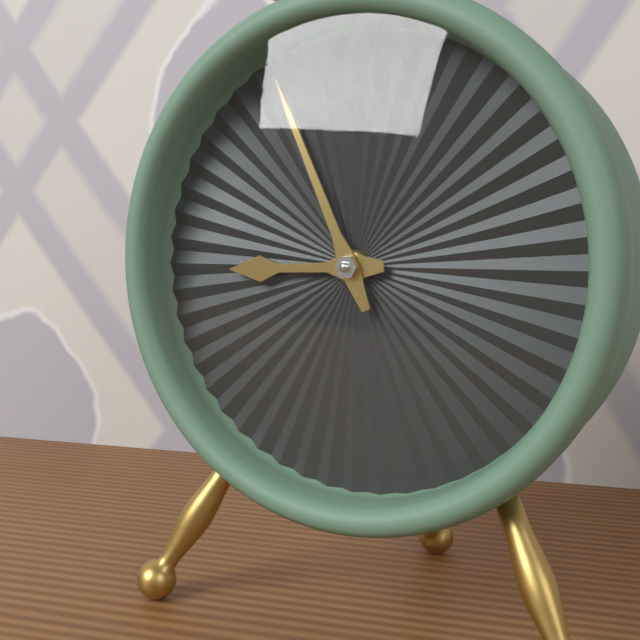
8:56
